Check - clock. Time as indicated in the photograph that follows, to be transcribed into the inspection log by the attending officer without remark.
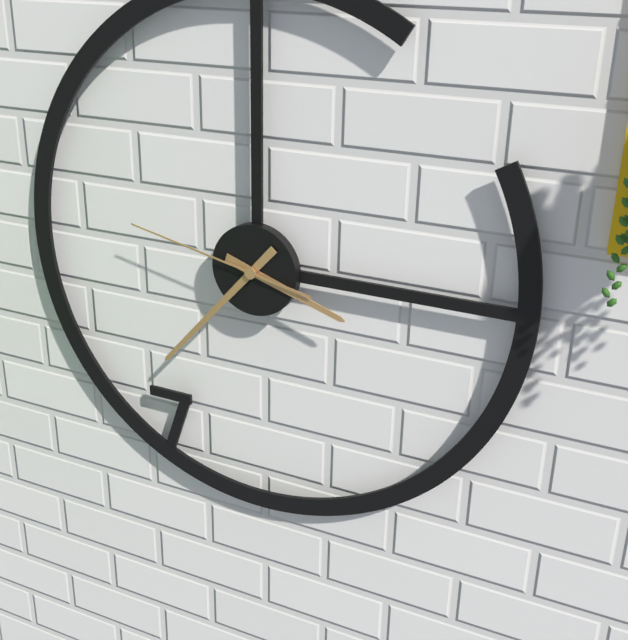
3:37:47
